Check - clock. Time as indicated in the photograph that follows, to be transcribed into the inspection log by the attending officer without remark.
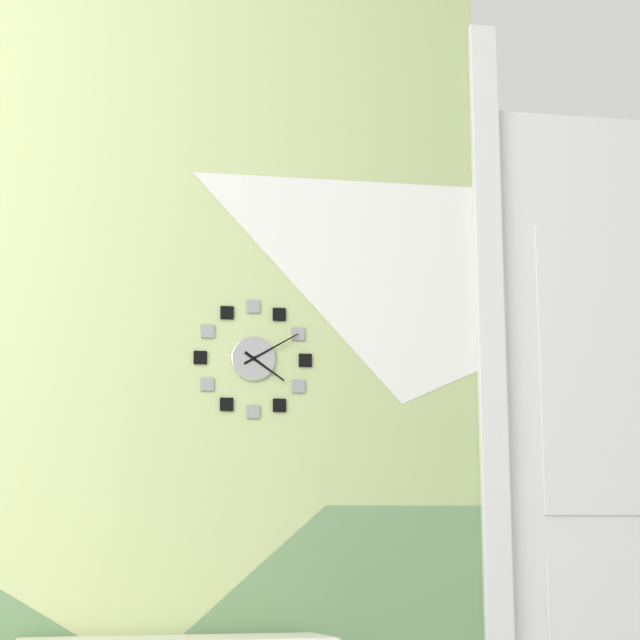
4:10
